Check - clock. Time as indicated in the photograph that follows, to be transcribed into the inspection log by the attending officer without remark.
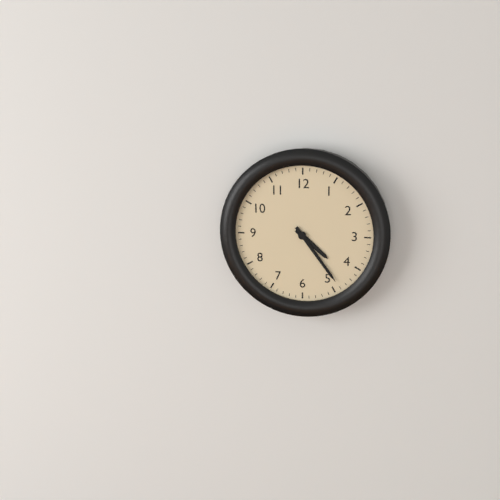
4:24
